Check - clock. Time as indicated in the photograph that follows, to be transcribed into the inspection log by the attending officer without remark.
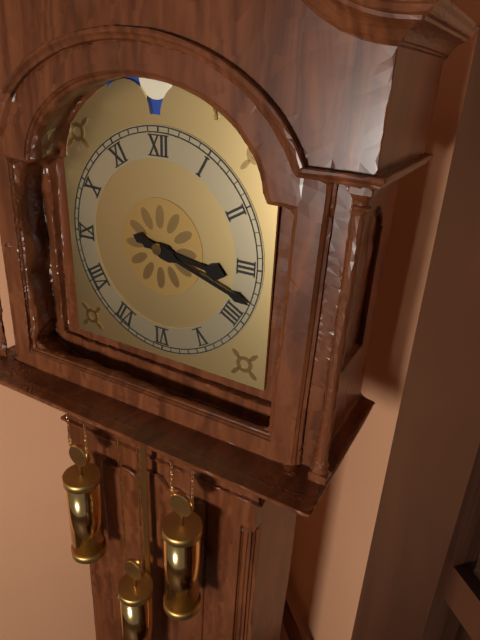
3:18
